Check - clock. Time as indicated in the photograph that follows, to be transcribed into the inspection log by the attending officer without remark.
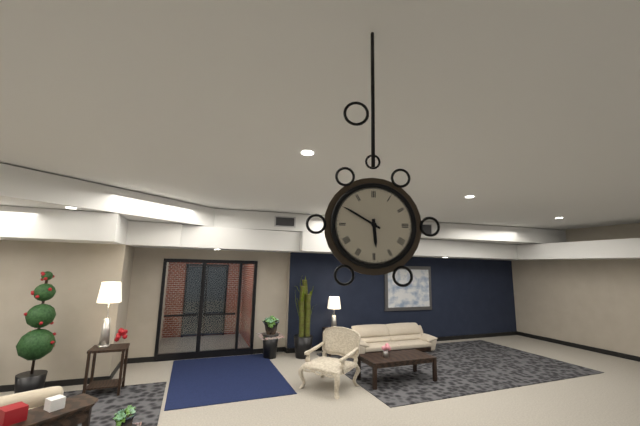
5:50
